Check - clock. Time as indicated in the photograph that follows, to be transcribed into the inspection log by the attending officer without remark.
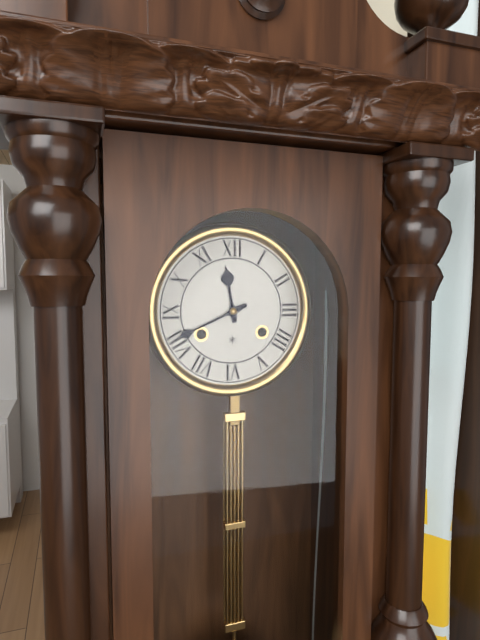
11:41
